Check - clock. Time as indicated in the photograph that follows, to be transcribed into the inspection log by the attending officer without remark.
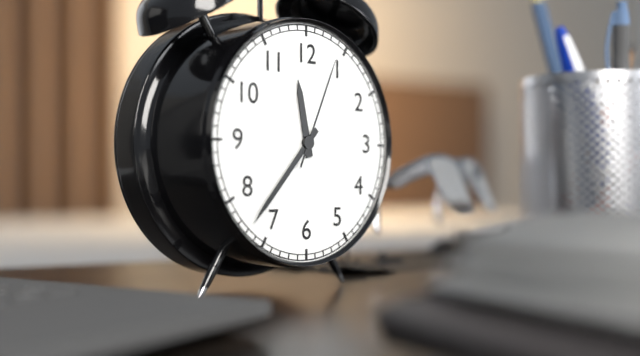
11:37:04
